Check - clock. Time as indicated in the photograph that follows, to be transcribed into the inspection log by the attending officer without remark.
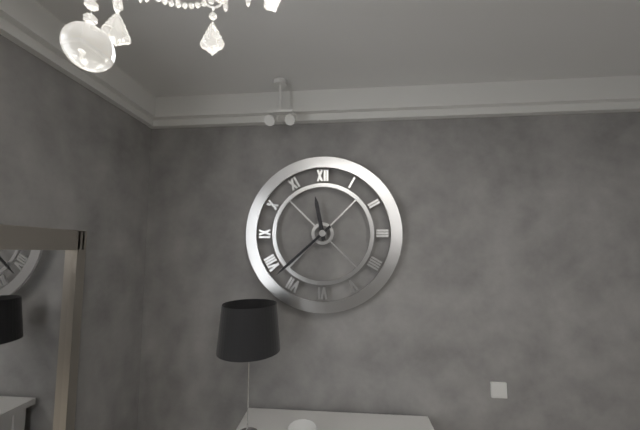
11:38
